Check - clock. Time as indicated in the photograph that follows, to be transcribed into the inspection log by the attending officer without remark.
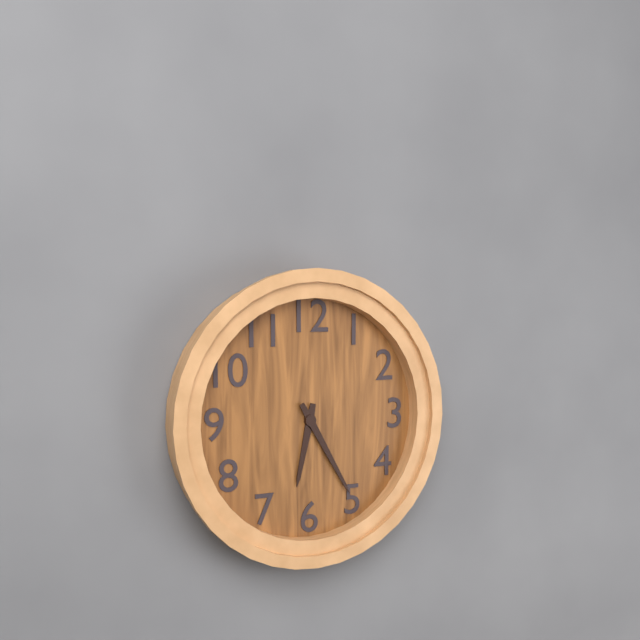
6:25
